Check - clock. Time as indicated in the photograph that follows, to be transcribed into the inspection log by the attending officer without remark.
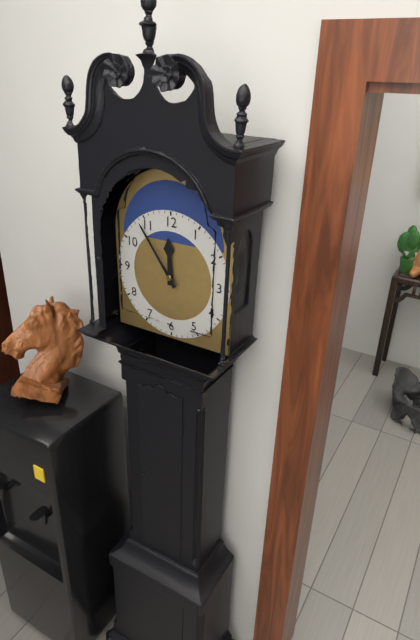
11:54
